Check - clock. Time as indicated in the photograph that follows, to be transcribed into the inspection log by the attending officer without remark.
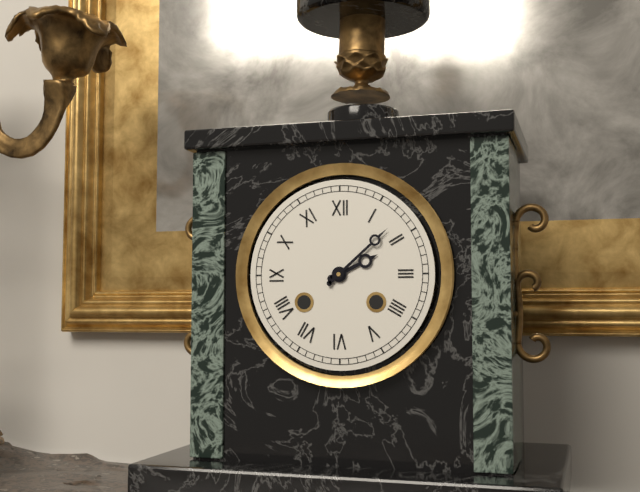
2:08
